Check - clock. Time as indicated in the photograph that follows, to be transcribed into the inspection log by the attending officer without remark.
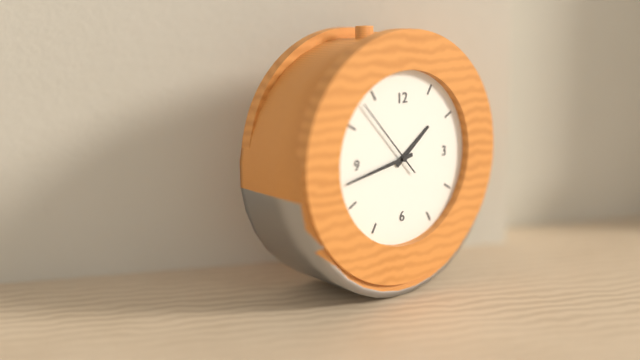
1:43:53
